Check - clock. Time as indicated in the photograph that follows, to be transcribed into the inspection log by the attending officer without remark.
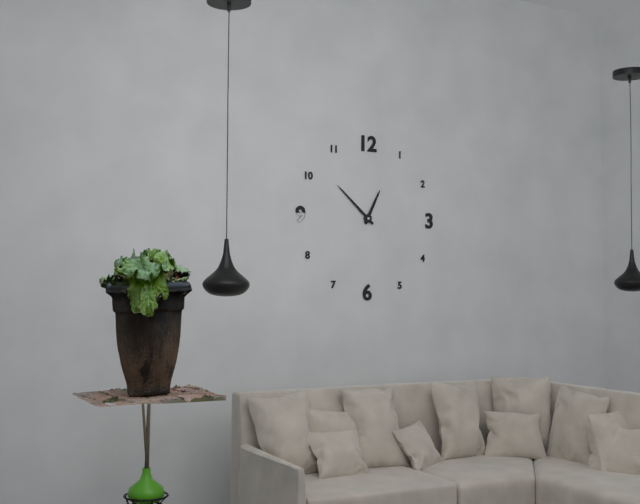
12:52
